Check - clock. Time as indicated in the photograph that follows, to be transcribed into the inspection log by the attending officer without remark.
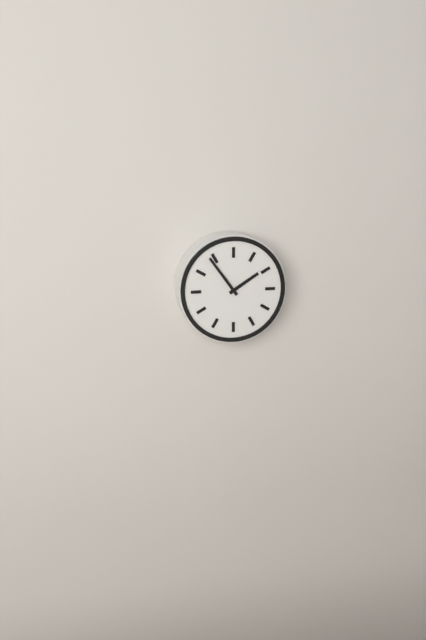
1:54
